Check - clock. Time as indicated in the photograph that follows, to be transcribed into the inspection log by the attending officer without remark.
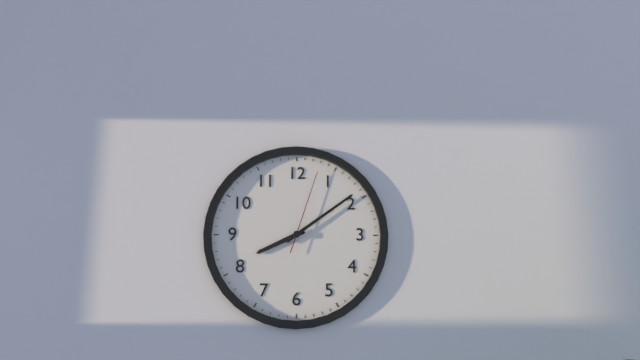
8:09:03
